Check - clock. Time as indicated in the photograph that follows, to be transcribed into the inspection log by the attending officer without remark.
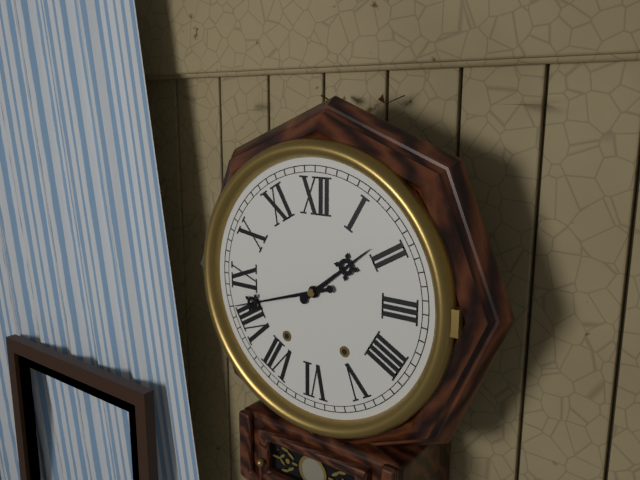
1:42
